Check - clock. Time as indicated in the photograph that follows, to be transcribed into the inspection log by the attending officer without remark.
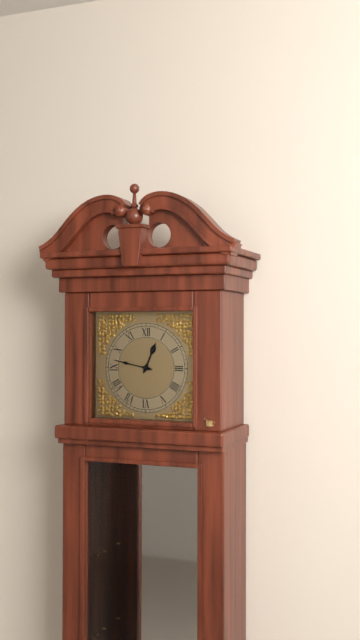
12:47
